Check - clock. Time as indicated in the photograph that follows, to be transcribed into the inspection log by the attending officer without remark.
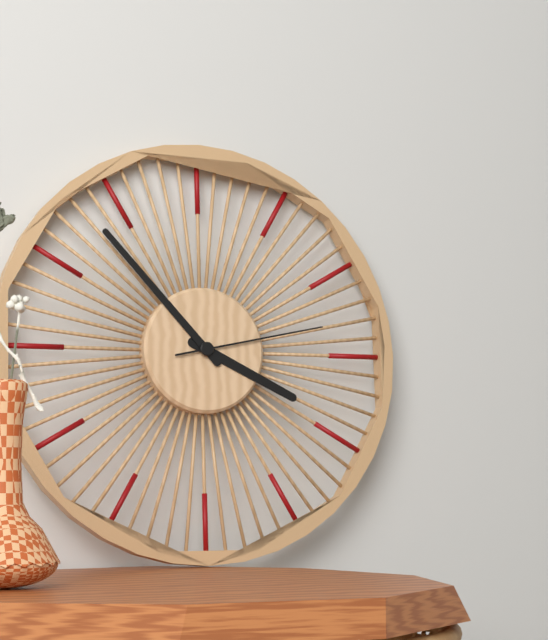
3:53:13
